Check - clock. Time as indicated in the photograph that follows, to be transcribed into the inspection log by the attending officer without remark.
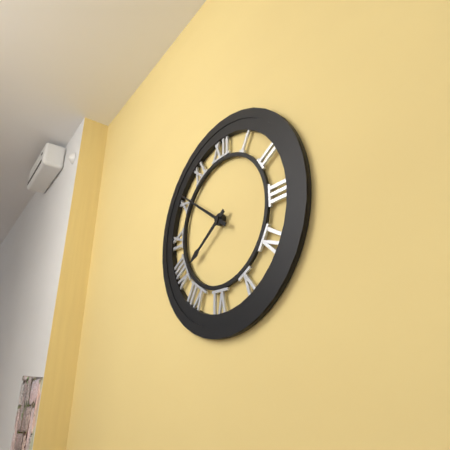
7:51
